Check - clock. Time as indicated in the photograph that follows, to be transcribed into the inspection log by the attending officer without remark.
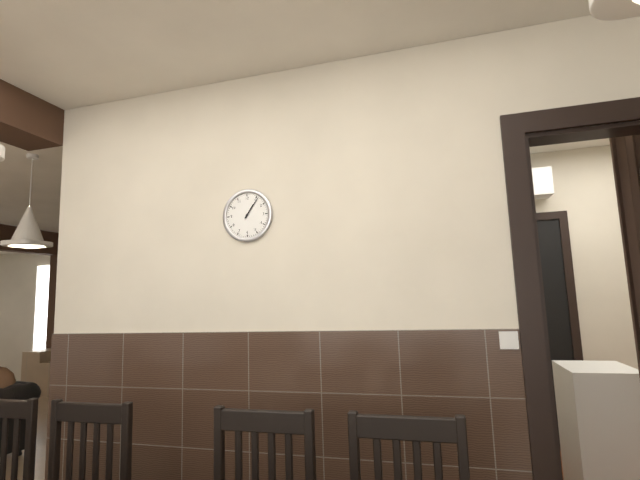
1:06
